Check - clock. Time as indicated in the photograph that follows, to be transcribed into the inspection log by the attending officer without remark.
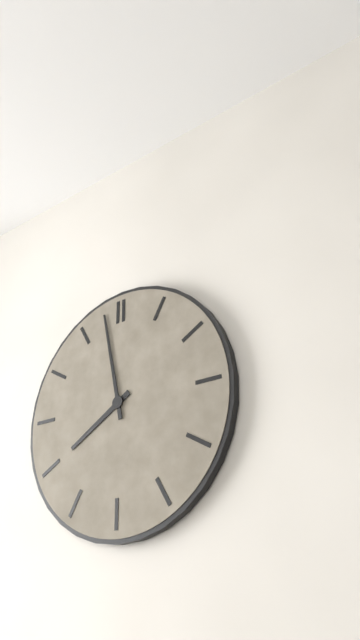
7:58
